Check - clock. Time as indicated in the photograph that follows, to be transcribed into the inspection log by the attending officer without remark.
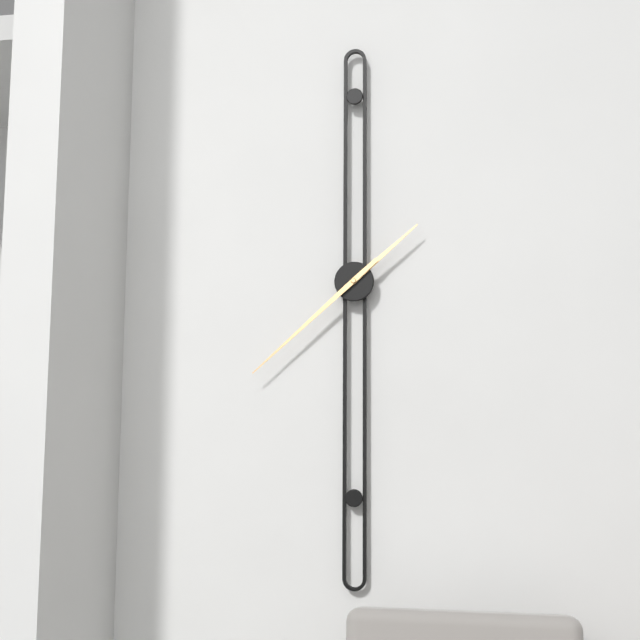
1:38
